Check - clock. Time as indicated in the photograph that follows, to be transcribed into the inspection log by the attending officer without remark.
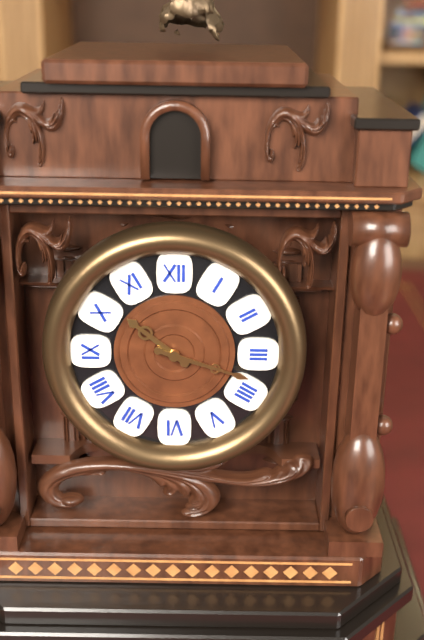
10:18
